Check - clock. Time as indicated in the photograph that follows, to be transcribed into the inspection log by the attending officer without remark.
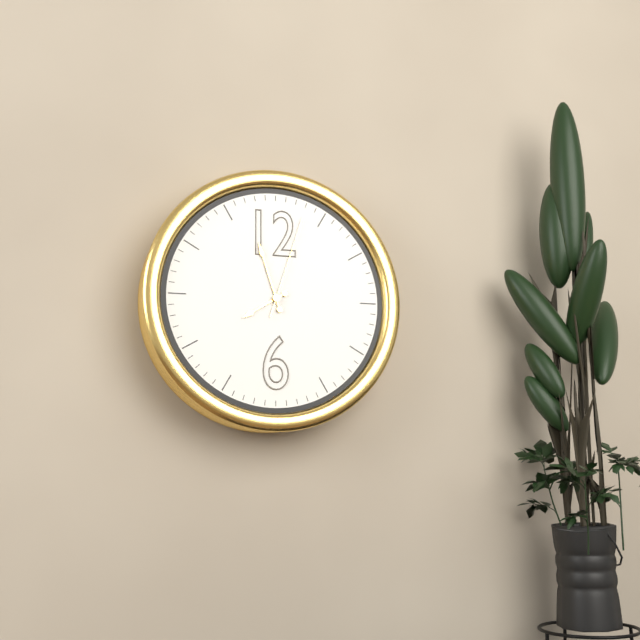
7:57:03
